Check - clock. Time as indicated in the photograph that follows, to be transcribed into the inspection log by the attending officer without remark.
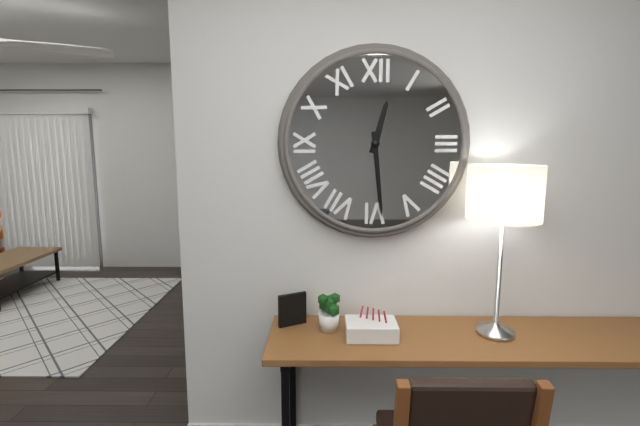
12:29
